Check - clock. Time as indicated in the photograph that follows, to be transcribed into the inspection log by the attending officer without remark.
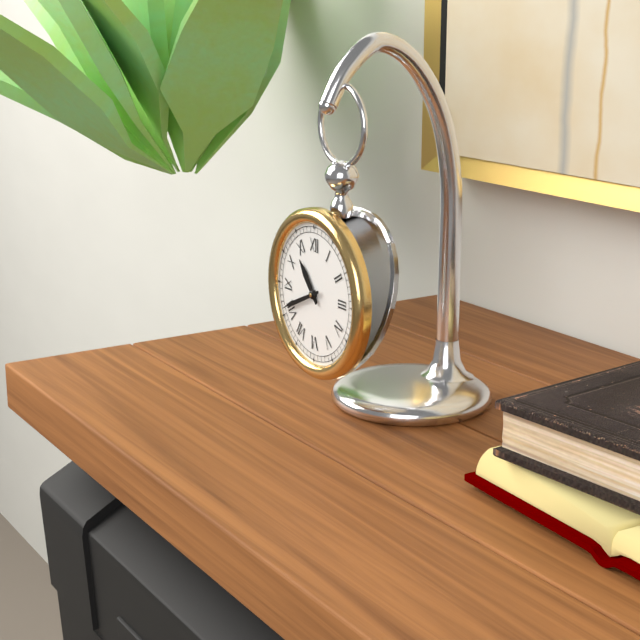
10:41
